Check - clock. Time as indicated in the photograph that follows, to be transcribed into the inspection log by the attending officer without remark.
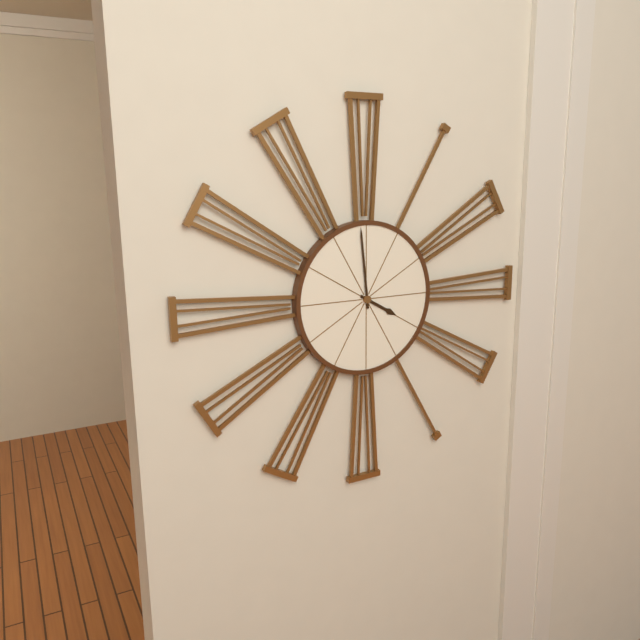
3:59
